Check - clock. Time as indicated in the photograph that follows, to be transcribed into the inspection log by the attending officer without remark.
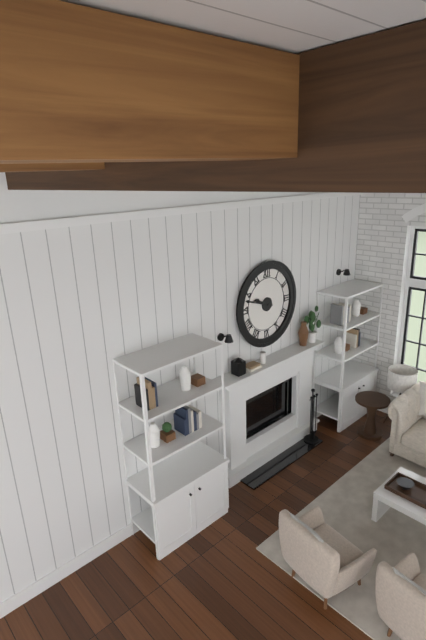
9:48
